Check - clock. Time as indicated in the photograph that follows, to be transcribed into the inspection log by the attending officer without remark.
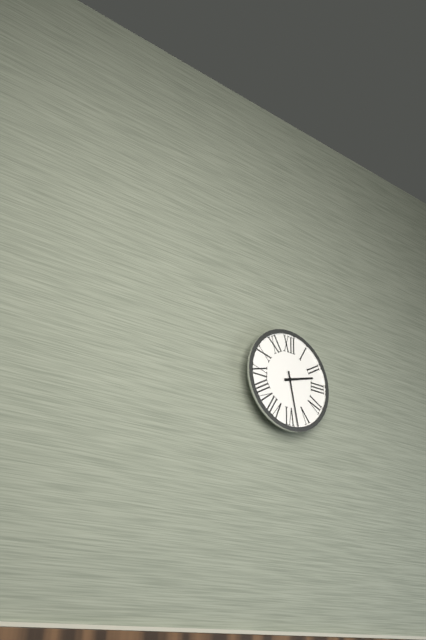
2:28
